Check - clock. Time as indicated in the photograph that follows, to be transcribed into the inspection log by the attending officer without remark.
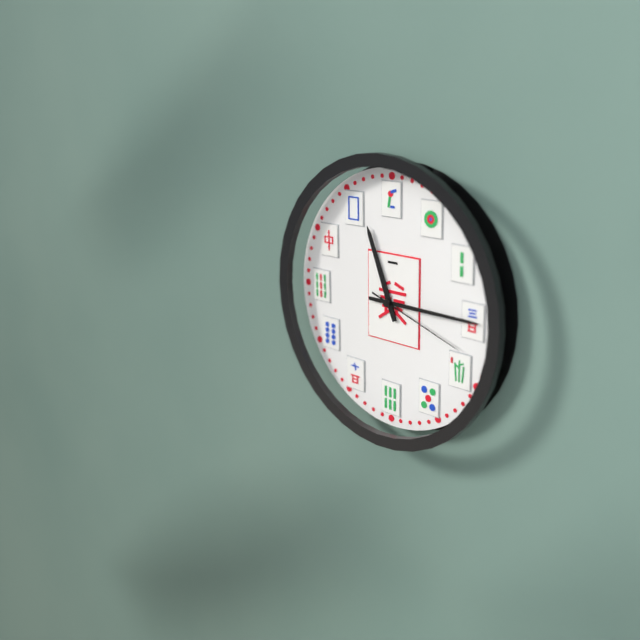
11:15:18
